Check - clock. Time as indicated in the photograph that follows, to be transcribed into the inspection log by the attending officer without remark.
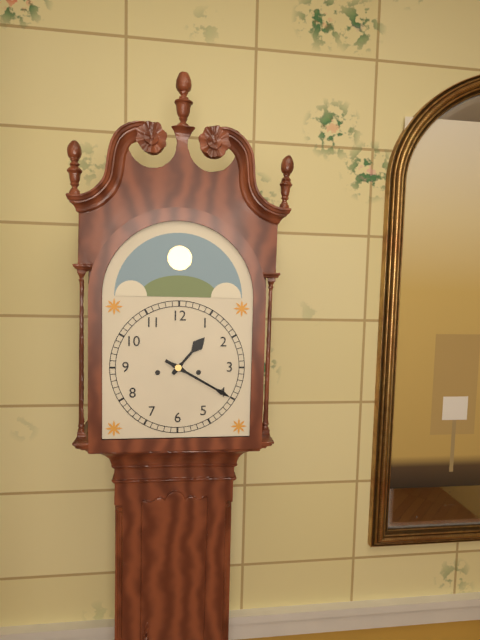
1:20
